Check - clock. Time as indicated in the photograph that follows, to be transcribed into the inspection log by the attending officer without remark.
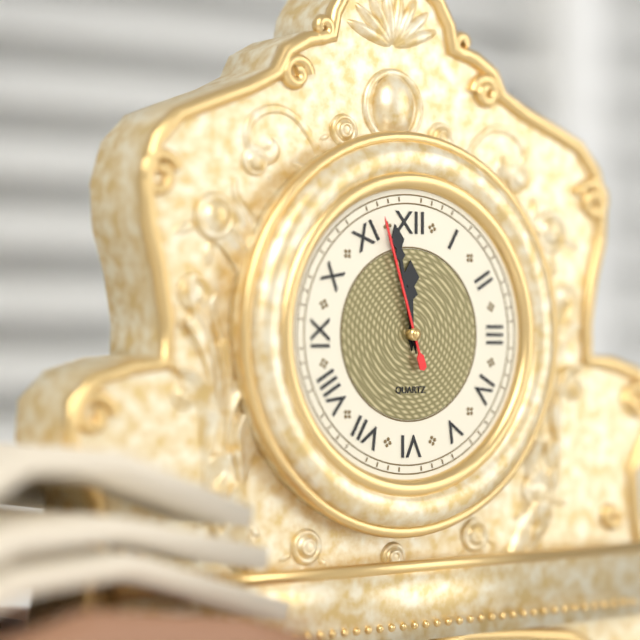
11:58:57
